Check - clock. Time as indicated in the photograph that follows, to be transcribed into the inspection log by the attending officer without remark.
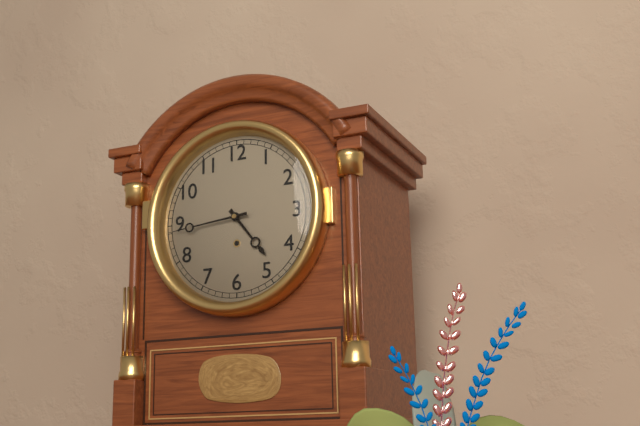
4:44
